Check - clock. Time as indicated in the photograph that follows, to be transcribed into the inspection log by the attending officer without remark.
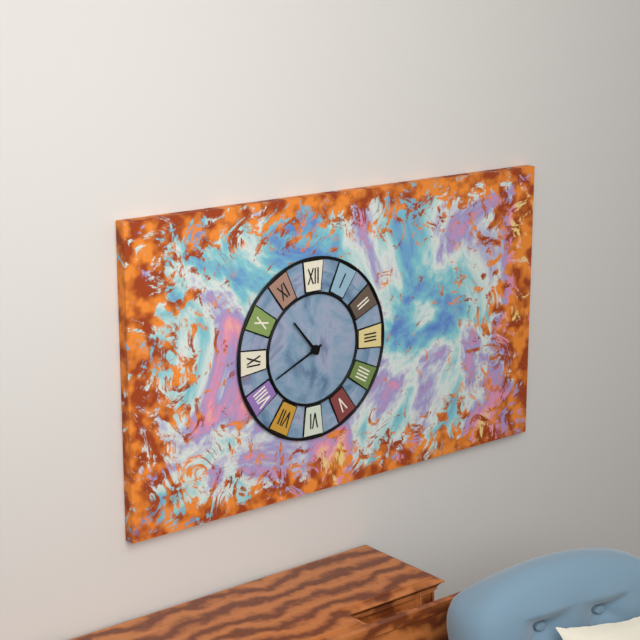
10:41
